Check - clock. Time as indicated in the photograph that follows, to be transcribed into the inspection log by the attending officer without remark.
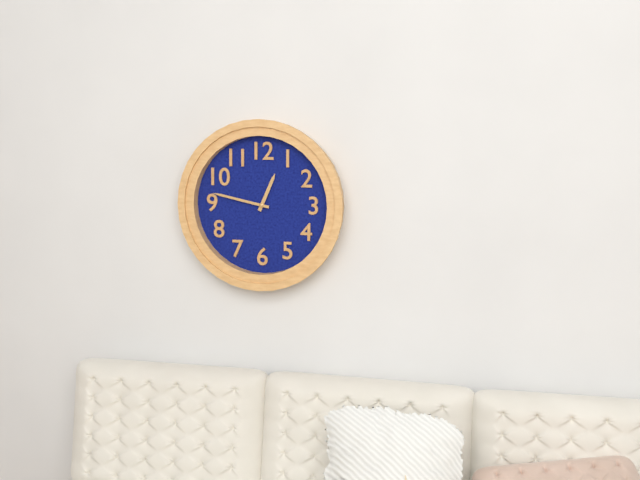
12:47
